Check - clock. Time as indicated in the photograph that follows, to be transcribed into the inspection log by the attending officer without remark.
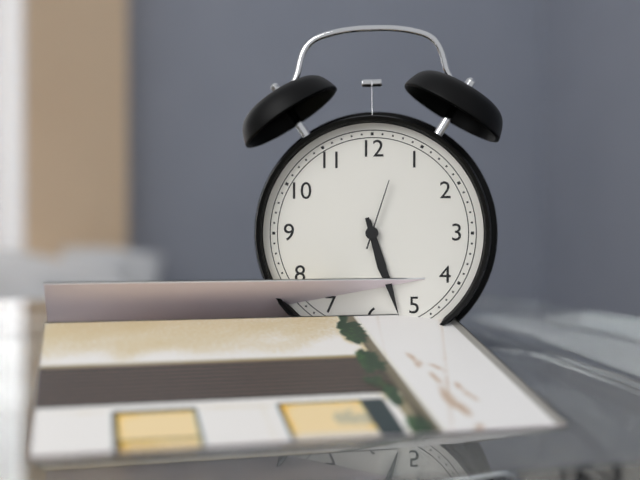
5:27:03
